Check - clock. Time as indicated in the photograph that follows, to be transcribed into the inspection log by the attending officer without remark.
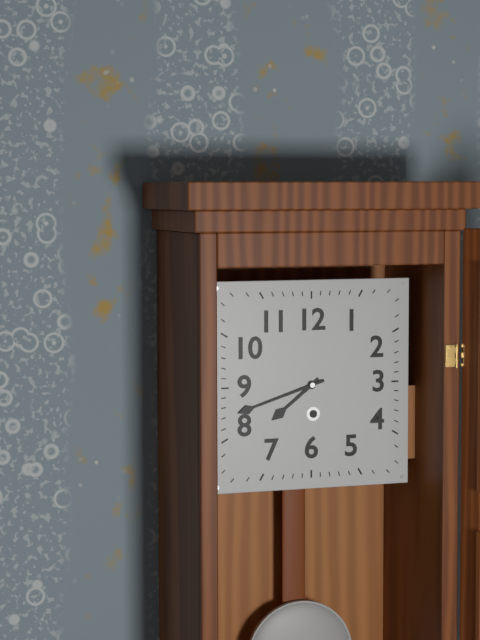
7:42
